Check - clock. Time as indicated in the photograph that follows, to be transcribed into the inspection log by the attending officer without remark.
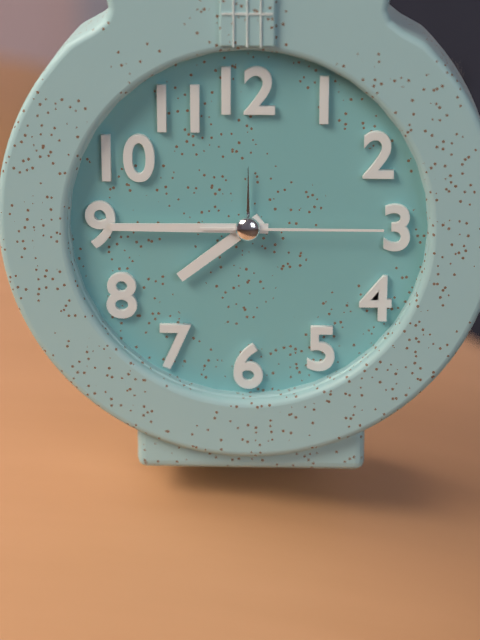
7:45:15
